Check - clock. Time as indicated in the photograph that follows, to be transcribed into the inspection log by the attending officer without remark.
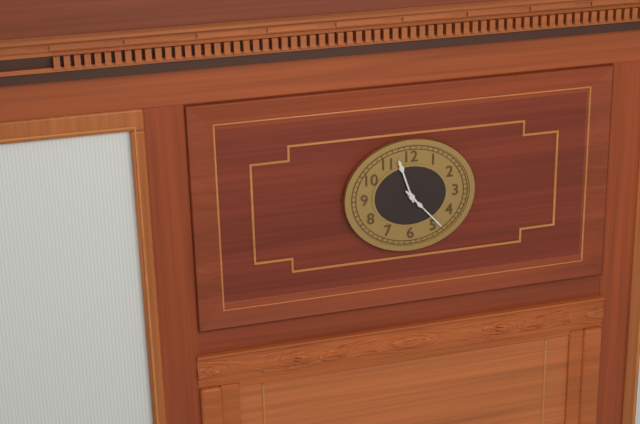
11:23
